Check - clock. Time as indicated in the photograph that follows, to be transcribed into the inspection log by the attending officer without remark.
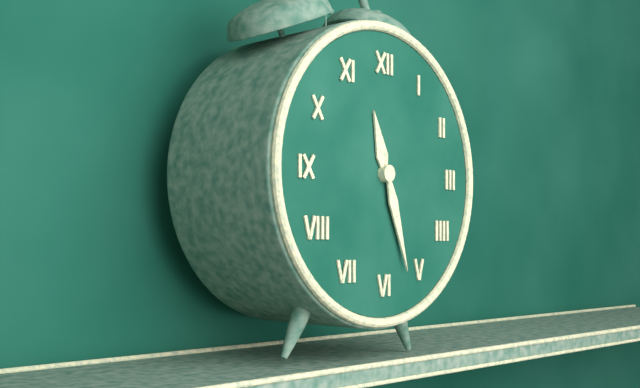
11:27
